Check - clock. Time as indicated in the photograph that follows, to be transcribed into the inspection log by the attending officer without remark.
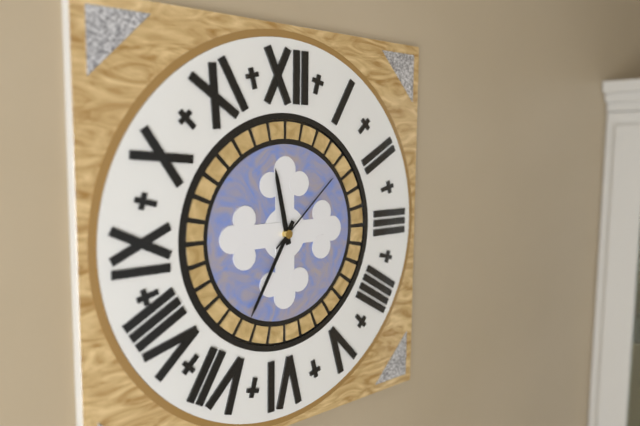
11:35:08
